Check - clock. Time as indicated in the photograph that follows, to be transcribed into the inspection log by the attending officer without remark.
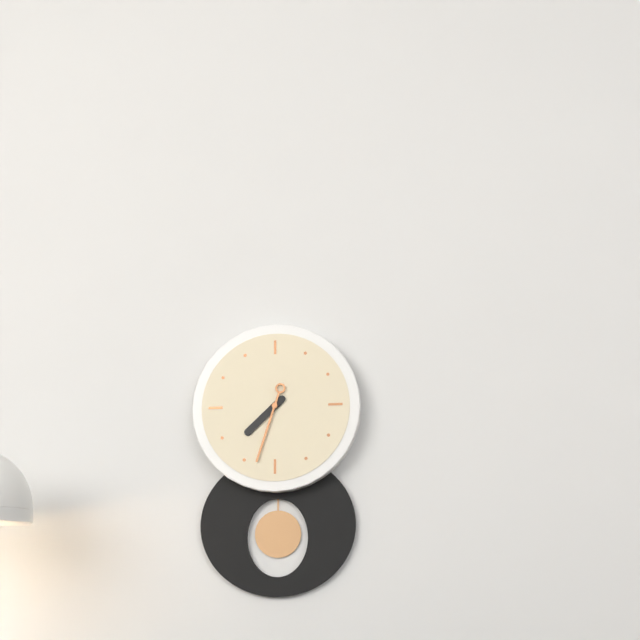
7:33
